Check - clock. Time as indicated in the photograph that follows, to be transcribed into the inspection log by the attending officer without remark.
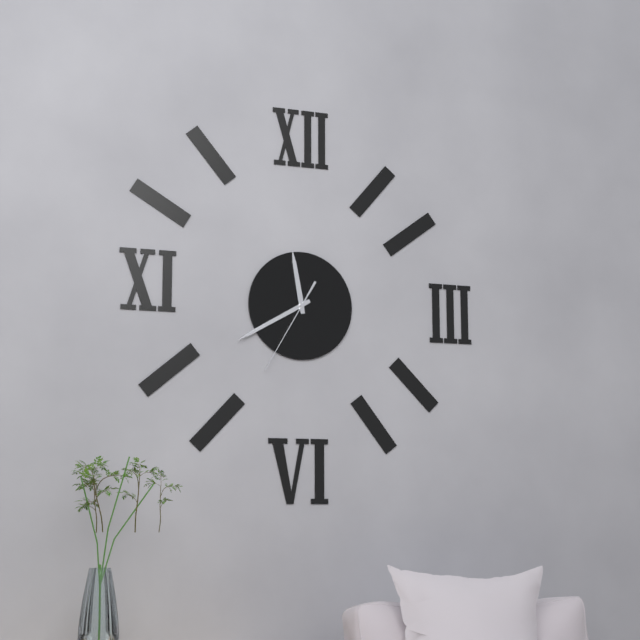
11:40:35
